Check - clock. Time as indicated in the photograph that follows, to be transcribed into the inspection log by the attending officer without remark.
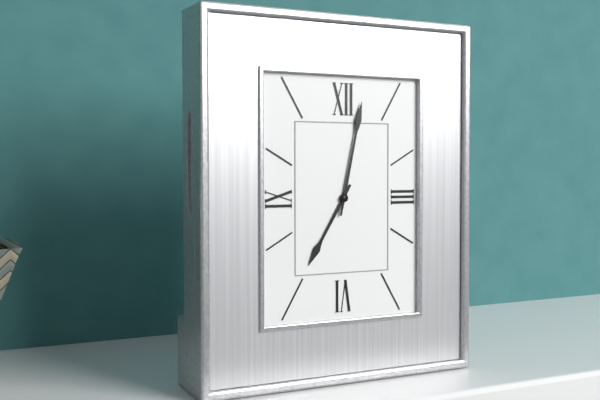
7:02
